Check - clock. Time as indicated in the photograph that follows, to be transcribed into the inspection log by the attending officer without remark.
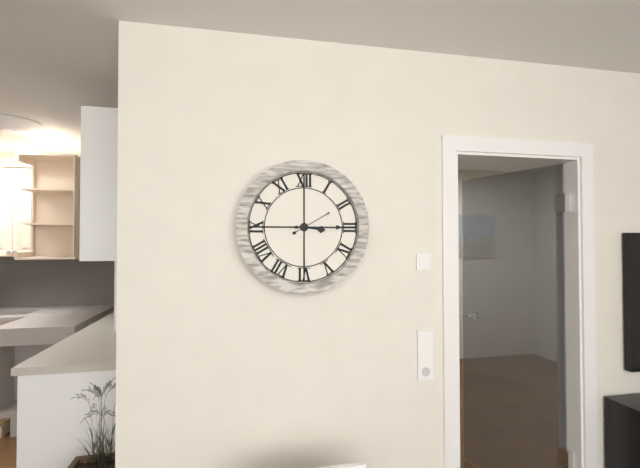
3:15
